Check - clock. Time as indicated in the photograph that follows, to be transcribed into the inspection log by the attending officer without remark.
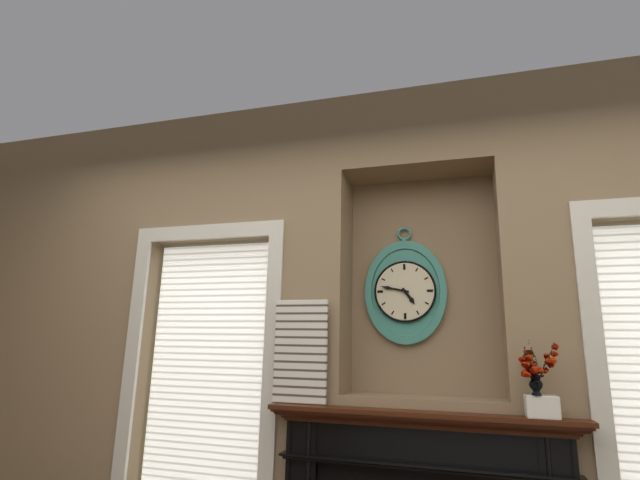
4:47
